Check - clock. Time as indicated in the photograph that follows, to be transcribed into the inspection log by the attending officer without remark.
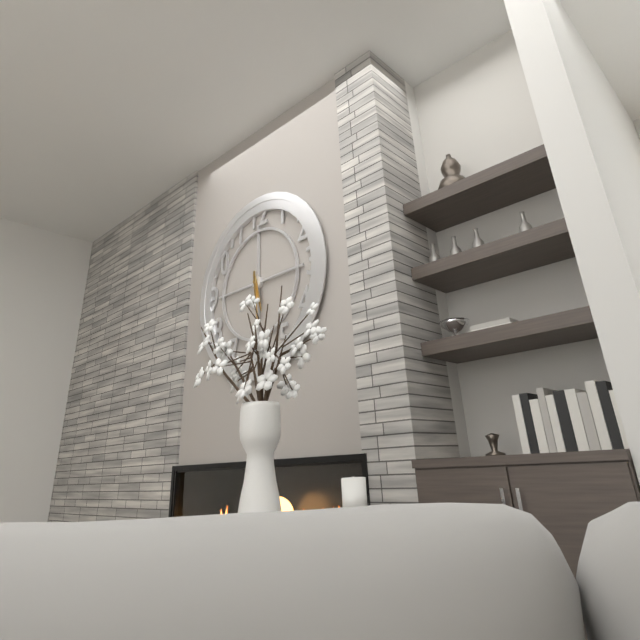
5:29
